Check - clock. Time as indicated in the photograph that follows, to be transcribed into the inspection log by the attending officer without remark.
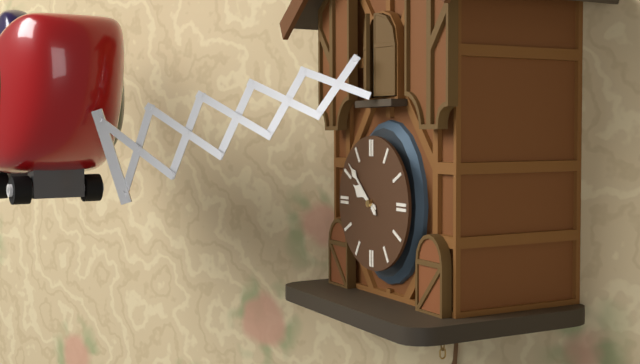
9:52
